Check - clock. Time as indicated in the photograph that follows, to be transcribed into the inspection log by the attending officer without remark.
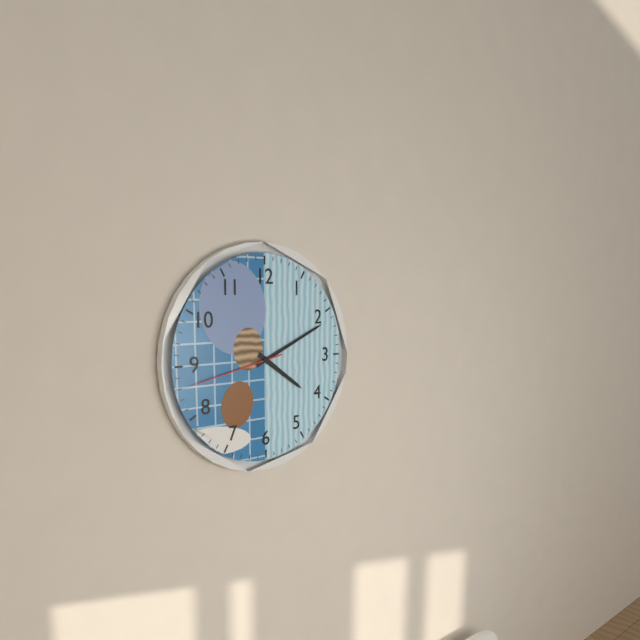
4:11:43
